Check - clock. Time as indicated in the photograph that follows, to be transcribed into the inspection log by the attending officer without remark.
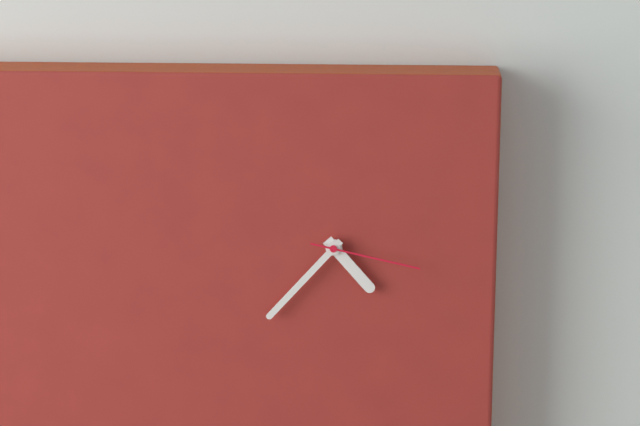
4:37:17
